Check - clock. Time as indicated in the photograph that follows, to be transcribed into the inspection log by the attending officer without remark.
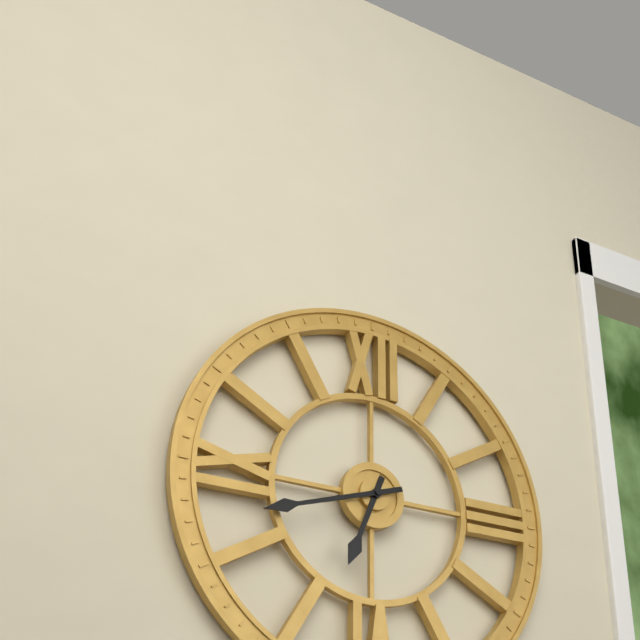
6:42
